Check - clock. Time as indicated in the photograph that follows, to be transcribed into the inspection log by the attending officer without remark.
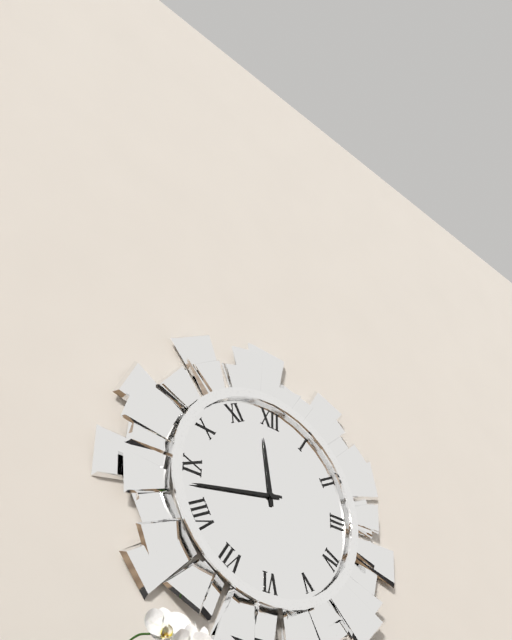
11:43
